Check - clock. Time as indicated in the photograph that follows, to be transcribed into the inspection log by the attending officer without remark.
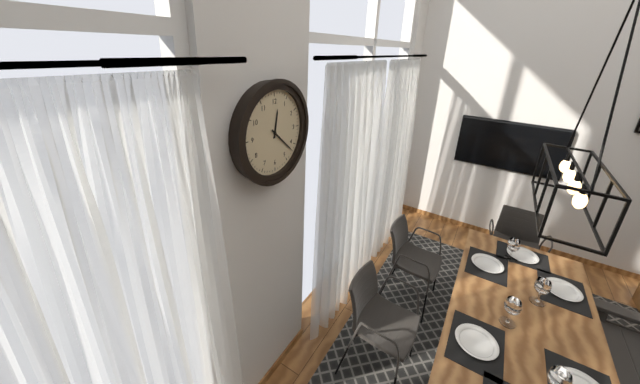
12:22
